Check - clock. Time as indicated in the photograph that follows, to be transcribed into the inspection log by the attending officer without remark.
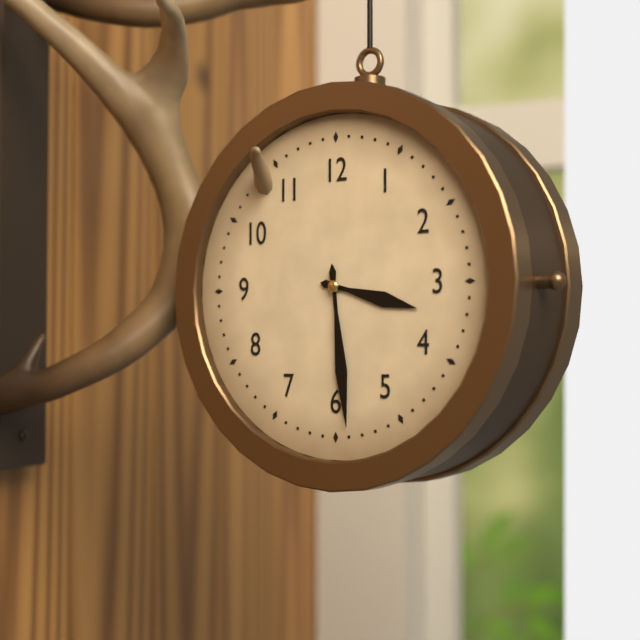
3:29
